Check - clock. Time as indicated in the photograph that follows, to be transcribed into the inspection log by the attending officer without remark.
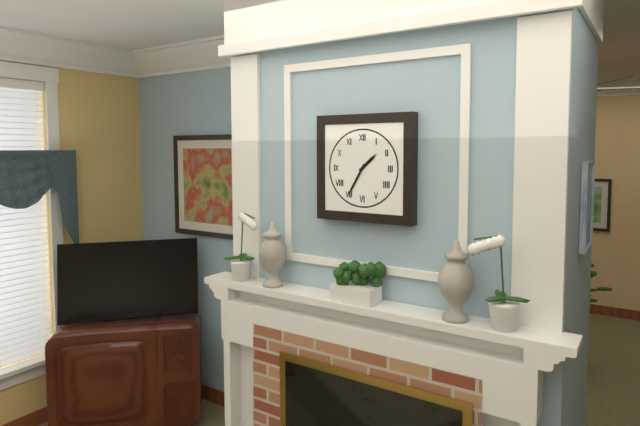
1:35
